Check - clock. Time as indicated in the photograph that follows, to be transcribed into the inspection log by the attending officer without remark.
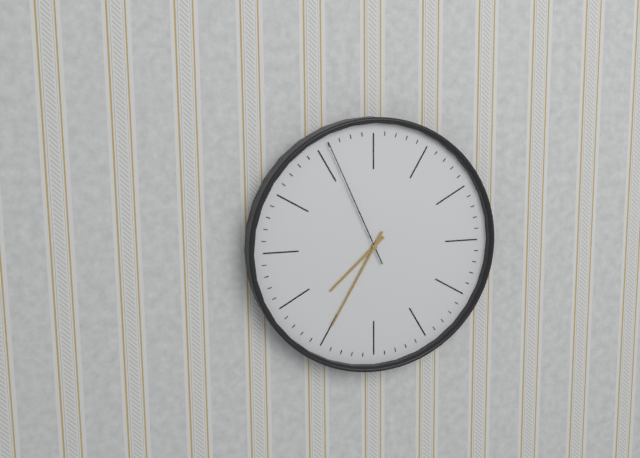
7:35:56
